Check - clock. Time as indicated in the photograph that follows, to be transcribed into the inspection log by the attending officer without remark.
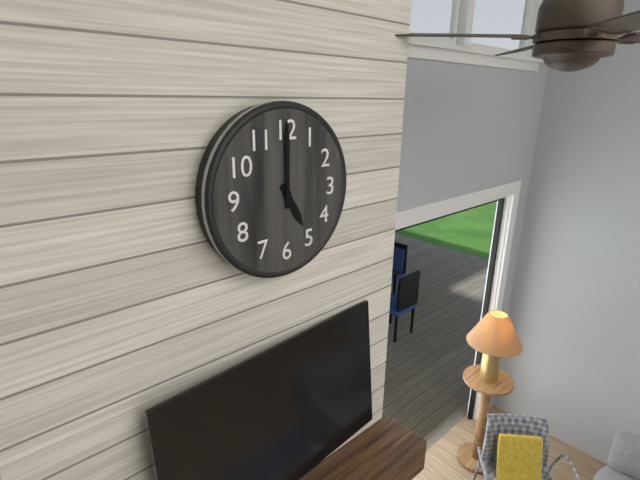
5:00
